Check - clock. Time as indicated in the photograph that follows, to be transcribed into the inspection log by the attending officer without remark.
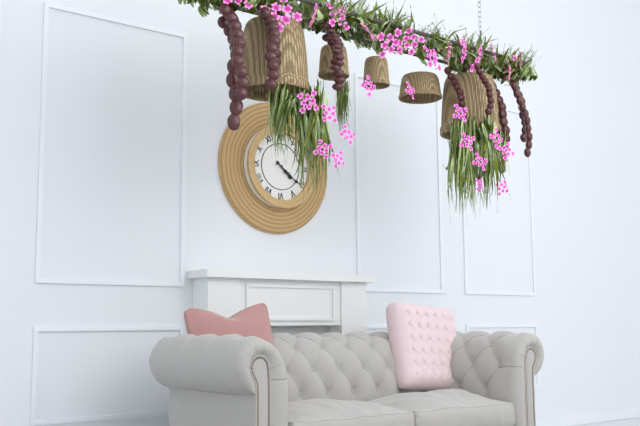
4:21
